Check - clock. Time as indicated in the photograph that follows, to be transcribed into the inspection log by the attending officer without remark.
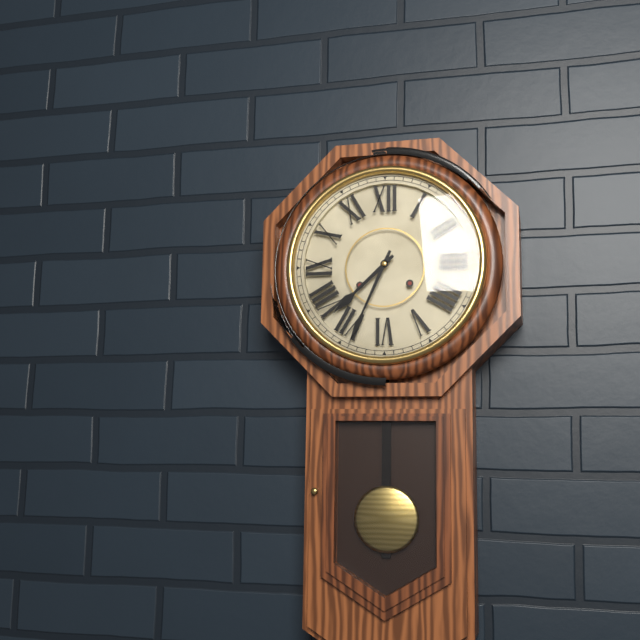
7:34
